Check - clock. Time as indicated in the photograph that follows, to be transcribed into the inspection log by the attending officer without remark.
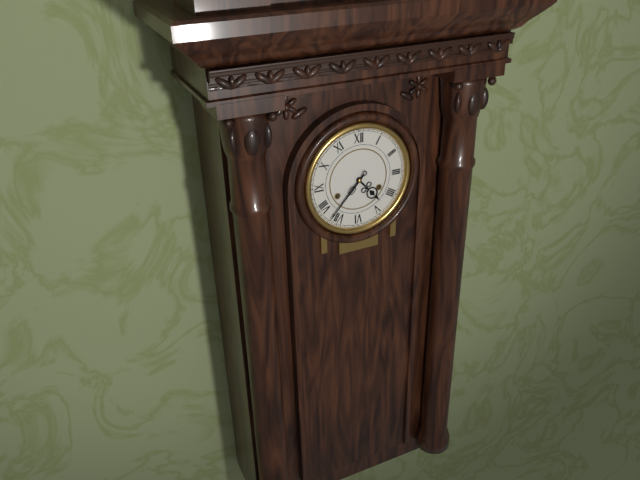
4:37
